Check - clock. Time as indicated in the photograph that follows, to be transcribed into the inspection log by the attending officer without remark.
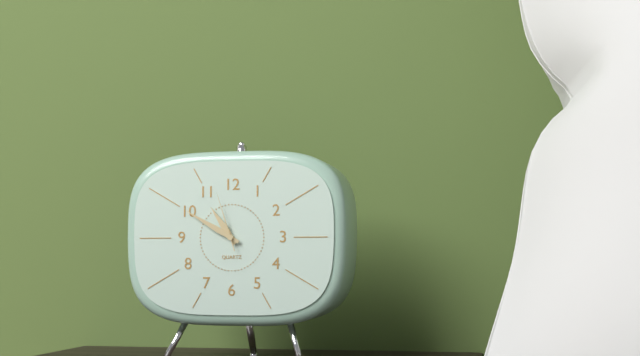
10:50:57
